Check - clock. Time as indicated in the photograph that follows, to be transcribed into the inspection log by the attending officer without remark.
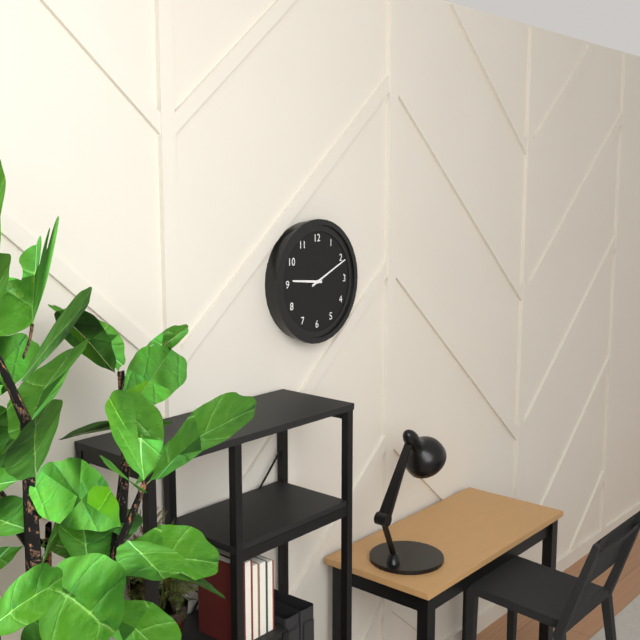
9:11
